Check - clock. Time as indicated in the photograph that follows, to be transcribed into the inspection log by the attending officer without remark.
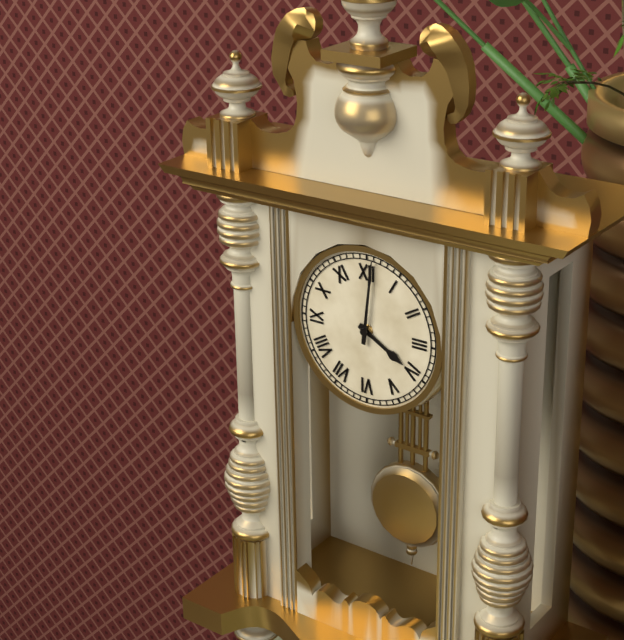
4:01
